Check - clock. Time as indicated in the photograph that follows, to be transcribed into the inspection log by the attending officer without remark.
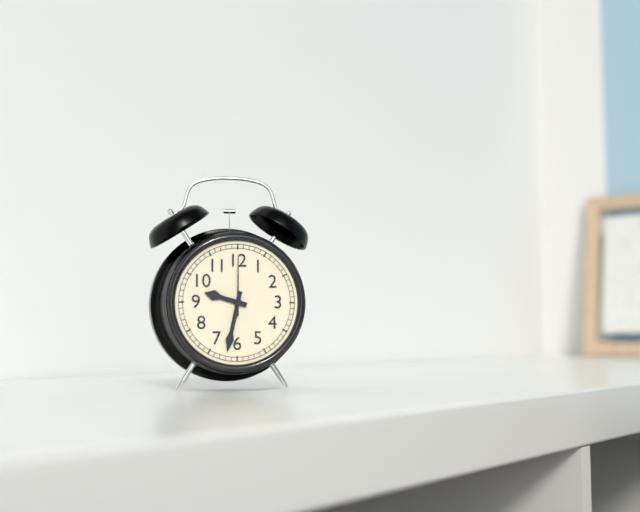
9:32:00
